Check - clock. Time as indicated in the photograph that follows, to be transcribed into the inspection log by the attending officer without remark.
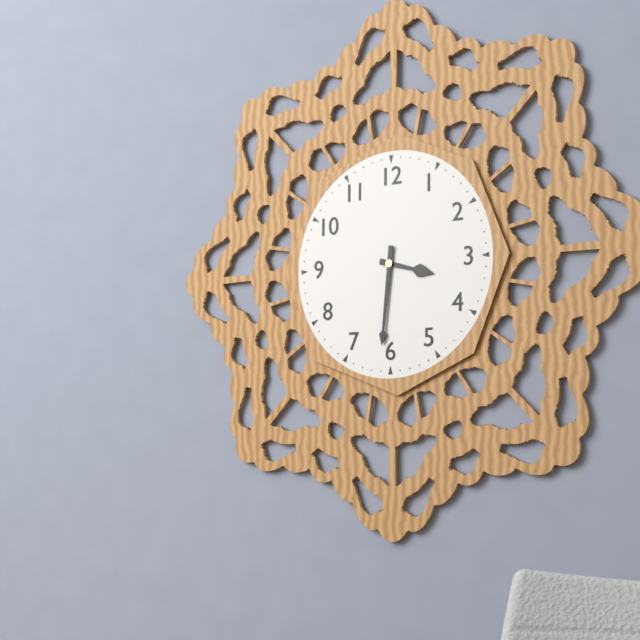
3:31
